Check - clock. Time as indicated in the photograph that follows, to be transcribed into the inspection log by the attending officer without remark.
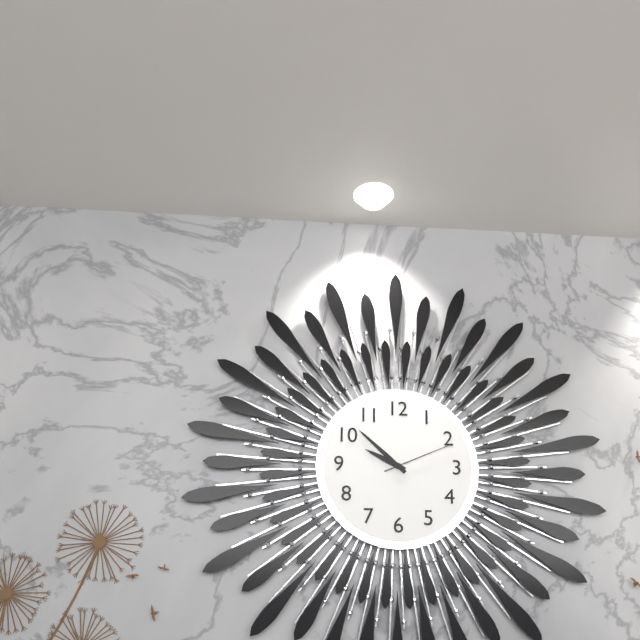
9:52:11
